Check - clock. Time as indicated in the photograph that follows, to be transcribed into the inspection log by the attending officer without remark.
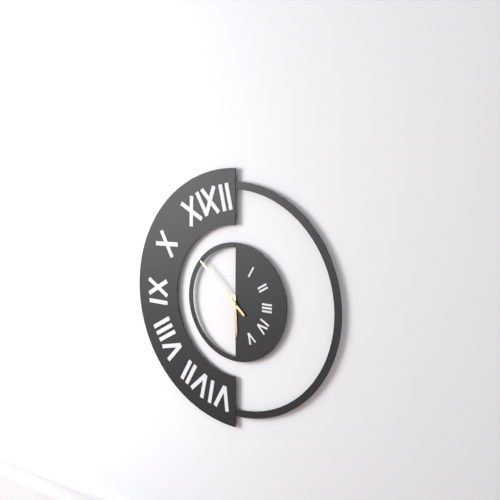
5:52
